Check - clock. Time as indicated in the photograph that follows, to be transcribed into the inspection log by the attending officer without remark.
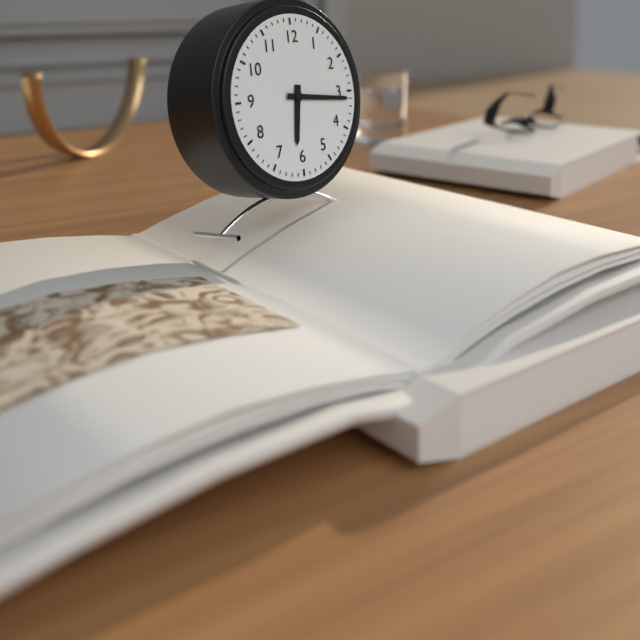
6:16
